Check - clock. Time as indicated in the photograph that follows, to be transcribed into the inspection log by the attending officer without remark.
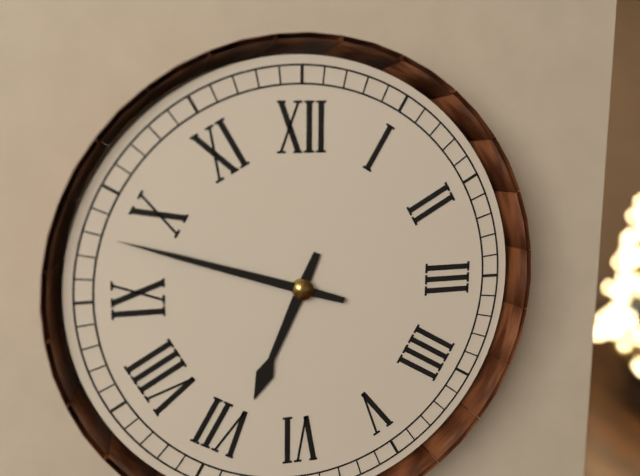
6:48
